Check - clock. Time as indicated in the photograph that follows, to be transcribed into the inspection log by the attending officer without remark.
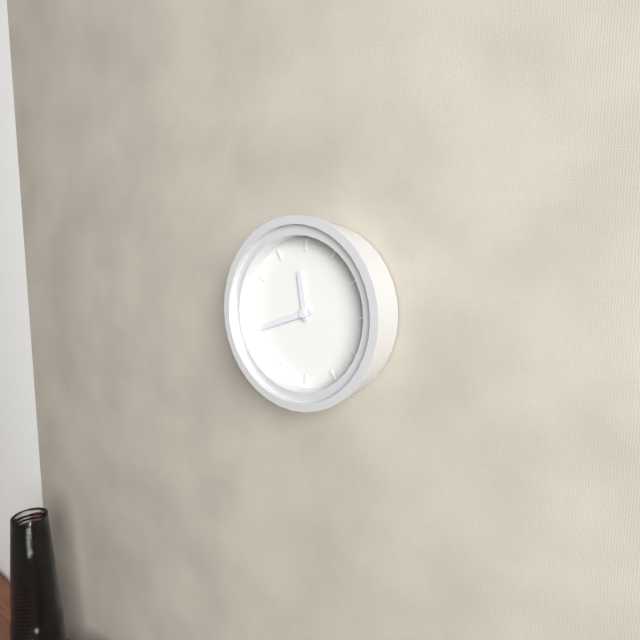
11:42
